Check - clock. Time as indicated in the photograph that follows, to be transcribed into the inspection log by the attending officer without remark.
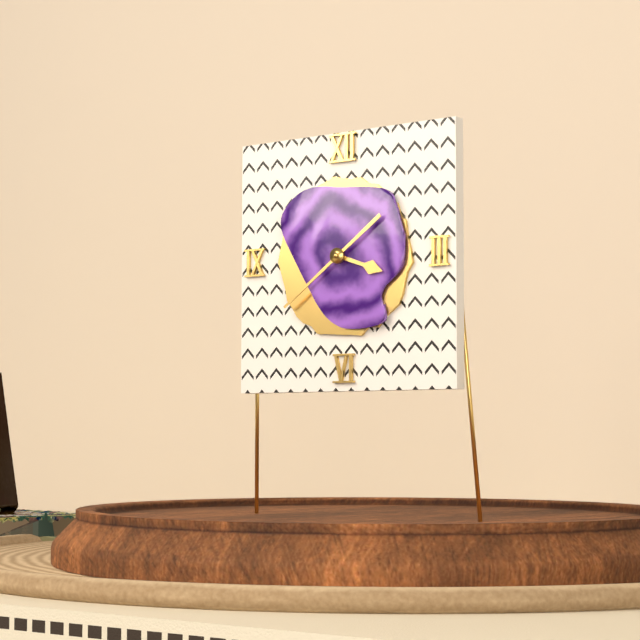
3:39
